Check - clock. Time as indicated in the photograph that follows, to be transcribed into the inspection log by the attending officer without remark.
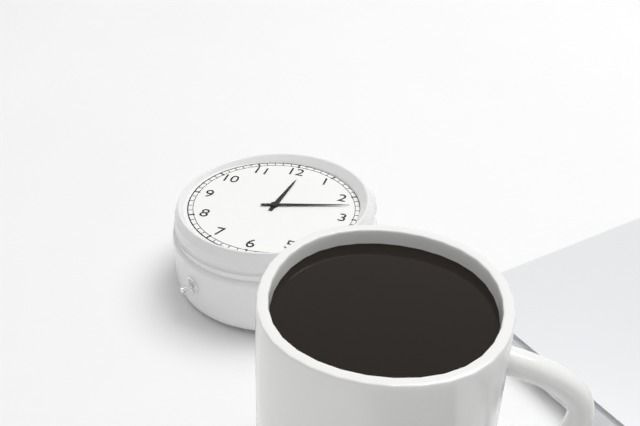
12:12
